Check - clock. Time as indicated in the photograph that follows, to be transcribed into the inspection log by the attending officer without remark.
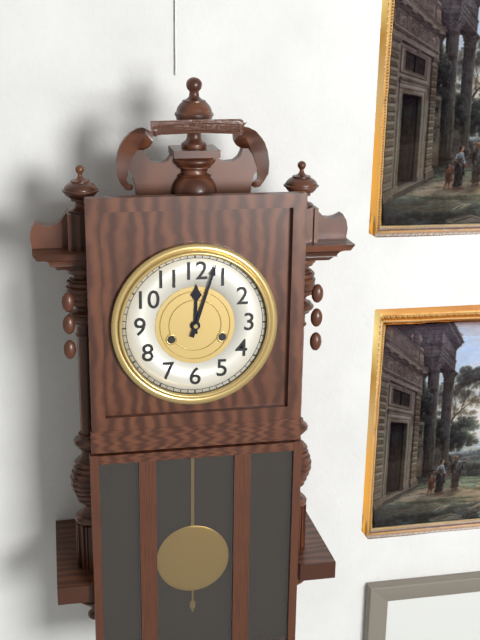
12:03
